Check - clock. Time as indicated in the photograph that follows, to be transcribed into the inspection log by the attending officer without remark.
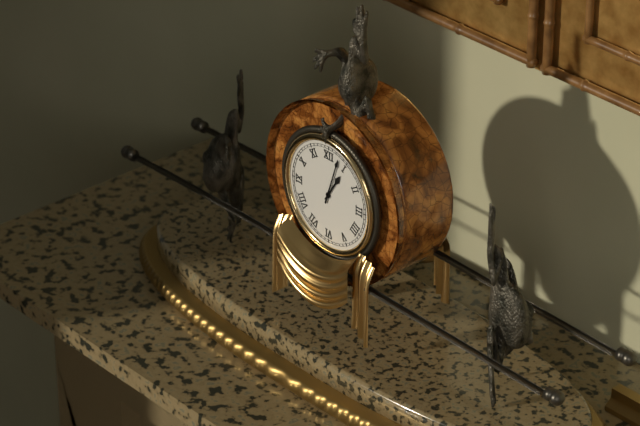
1:03
